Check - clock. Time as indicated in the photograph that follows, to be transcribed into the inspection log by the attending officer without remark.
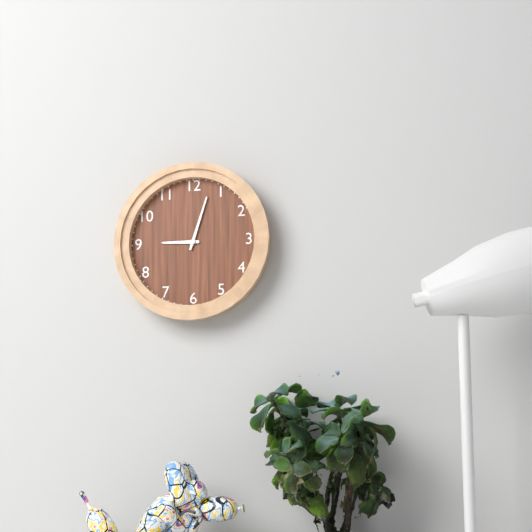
9:03
